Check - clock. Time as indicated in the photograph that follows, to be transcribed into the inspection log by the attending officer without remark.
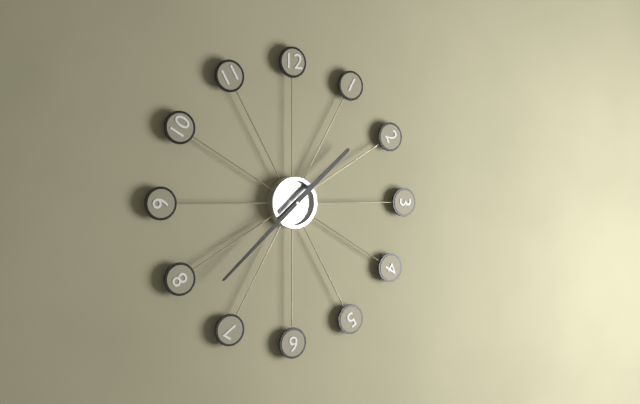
1:38
